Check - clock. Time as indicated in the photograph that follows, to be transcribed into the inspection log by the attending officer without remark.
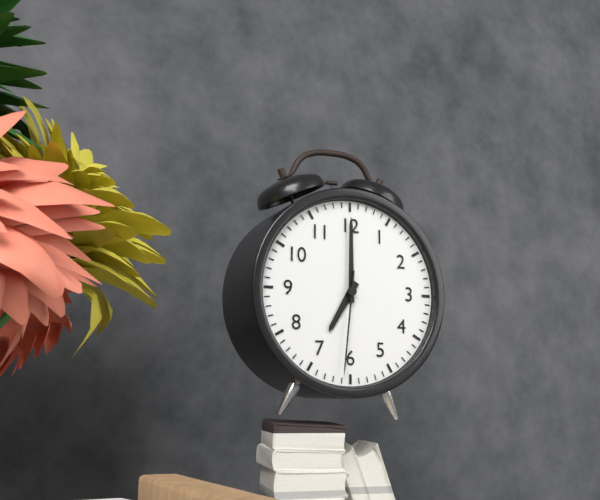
7:00:31
